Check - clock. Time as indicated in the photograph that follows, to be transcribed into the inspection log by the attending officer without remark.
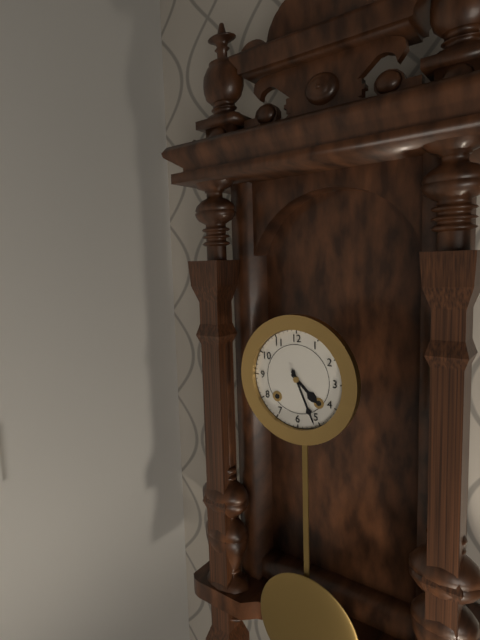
4:26
